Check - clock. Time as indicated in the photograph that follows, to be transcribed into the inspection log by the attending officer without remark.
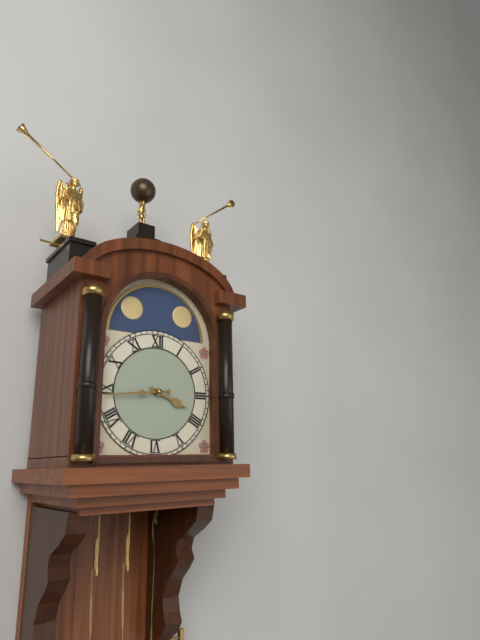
3:44
